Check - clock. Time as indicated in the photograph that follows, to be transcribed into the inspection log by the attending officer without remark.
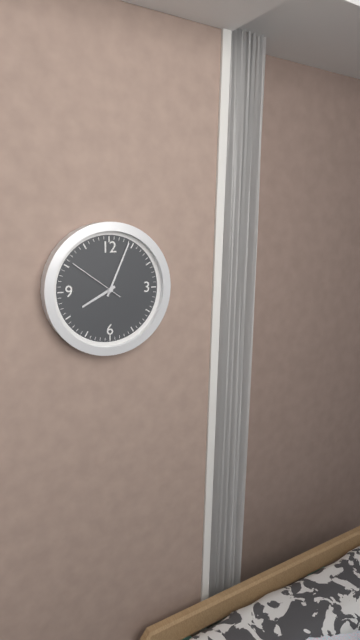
8:04:51
